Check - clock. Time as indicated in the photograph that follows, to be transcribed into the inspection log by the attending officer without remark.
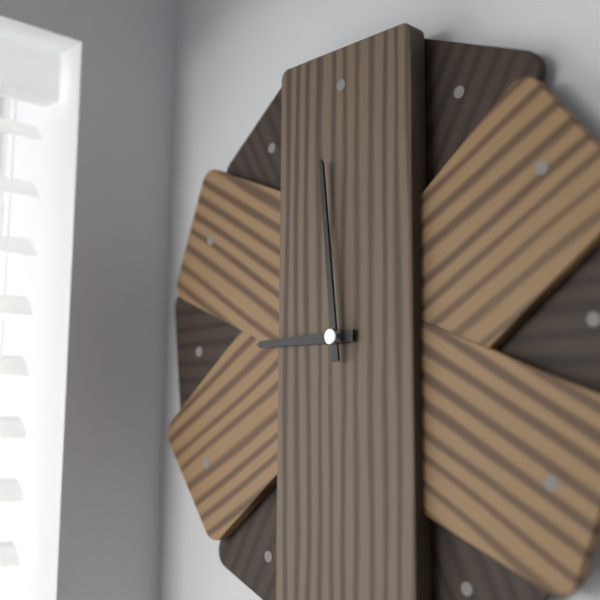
8:59
